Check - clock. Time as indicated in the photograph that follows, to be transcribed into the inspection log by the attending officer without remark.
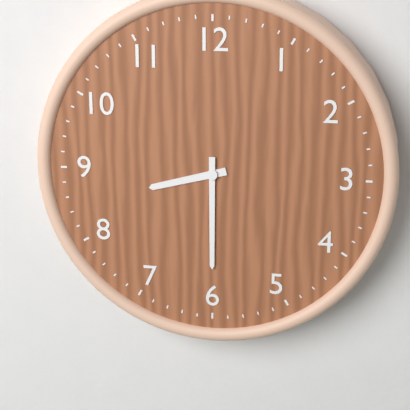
8:30
